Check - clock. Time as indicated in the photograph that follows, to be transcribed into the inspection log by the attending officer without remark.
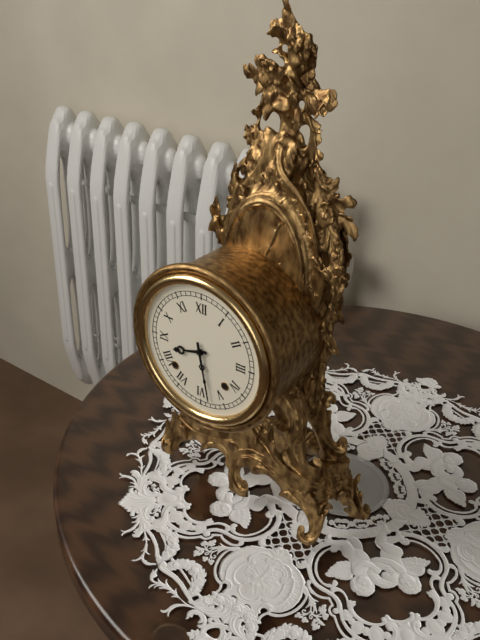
8:28
